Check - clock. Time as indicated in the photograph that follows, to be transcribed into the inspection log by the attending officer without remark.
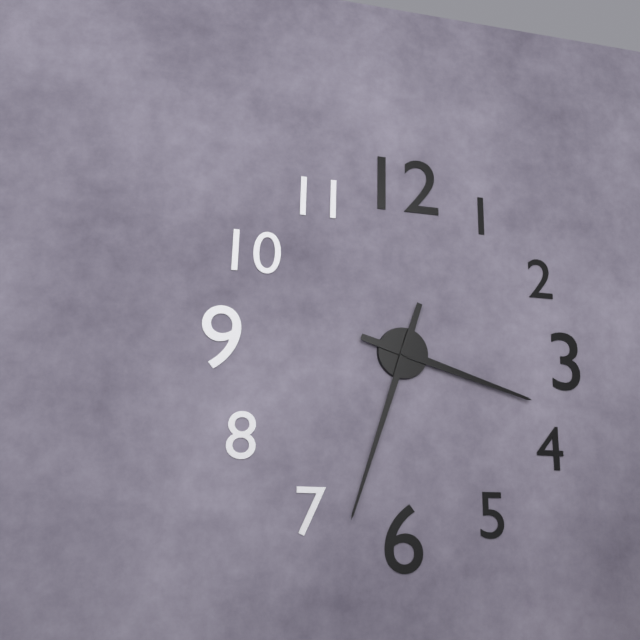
3:33
